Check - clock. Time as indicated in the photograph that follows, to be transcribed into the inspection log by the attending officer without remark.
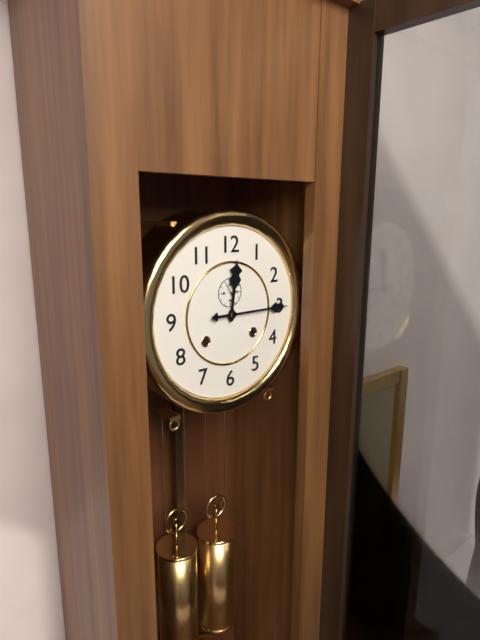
12:15
